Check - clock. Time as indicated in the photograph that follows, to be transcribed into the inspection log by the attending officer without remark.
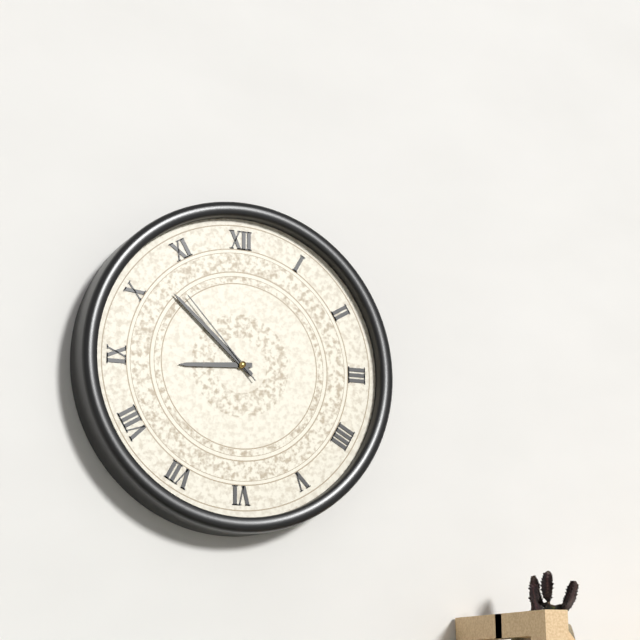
8:52:53
